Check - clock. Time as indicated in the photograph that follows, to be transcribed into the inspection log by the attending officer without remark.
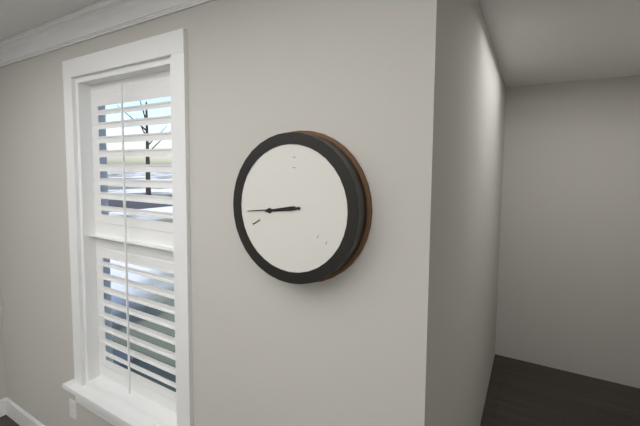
8:44
